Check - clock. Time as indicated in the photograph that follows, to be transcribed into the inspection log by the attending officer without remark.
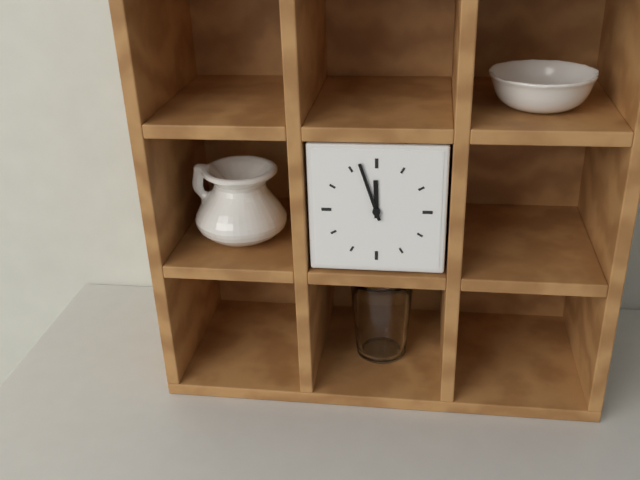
11:57
